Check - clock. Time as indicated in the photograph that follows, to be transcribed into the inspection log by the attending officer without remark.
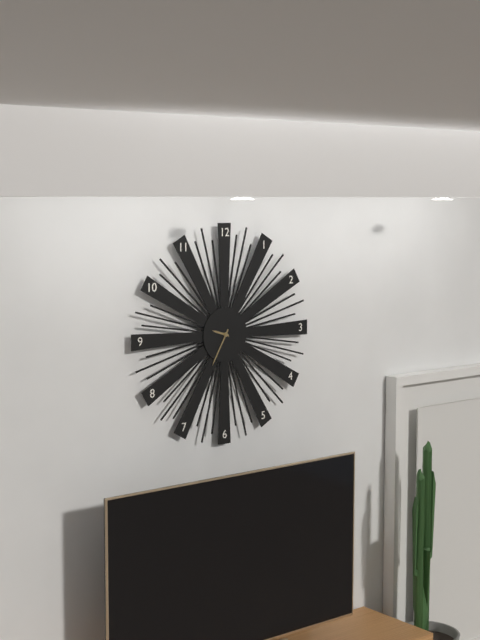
9:35
